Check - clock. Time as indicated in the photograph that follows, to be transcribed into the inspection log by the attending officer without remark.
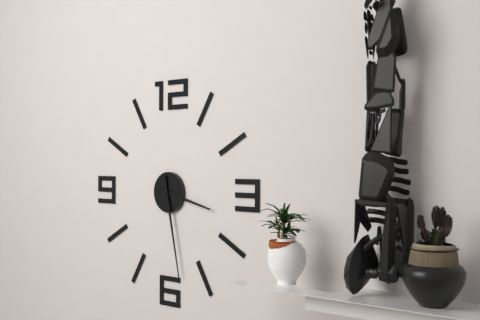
3:28
